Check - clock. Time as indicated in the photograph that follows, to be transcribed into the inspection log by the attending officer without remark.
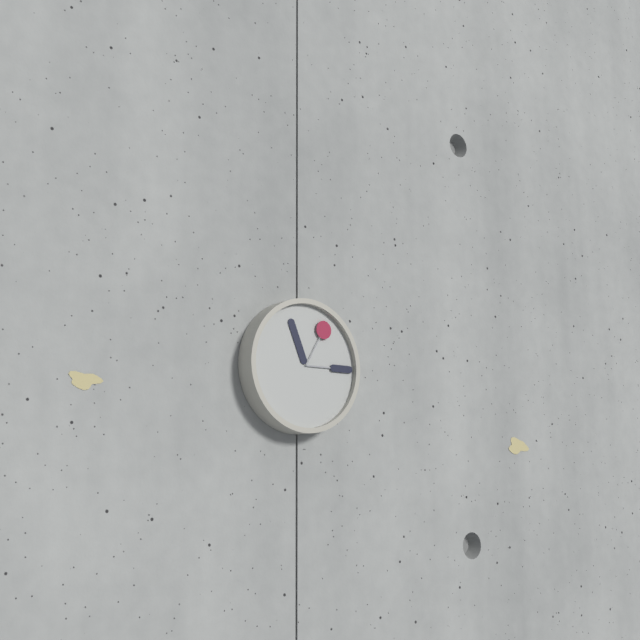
11:15:05
